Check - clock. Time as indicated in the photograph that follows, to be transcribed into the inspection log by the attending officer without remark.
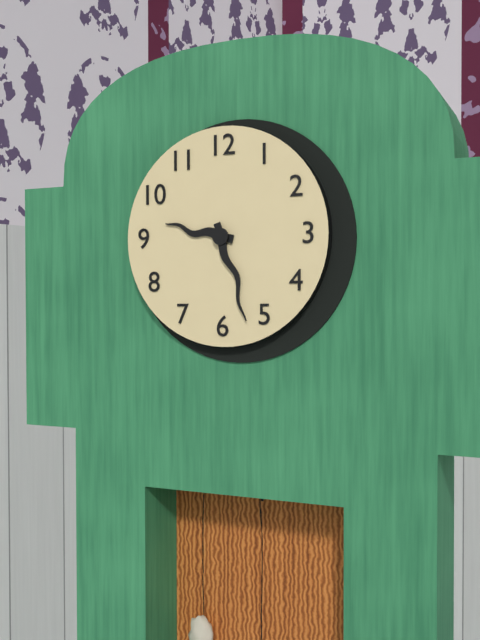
9:27
